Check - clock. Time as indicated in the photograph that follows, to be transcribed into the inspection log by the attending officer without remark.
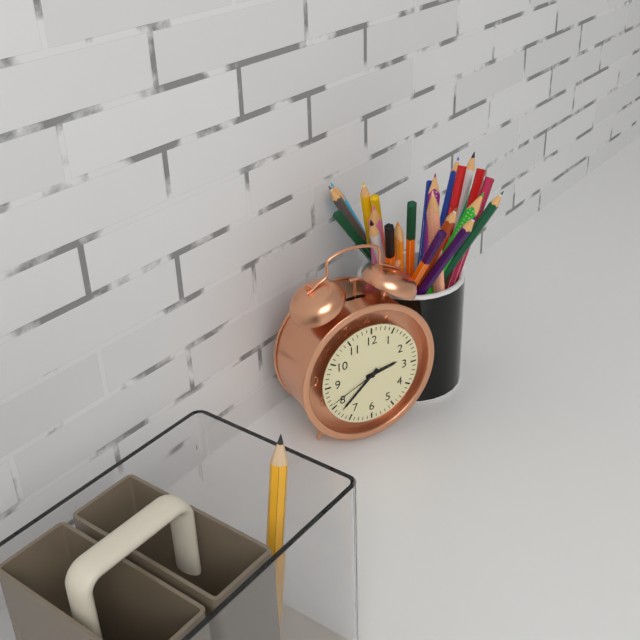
2:38:41
